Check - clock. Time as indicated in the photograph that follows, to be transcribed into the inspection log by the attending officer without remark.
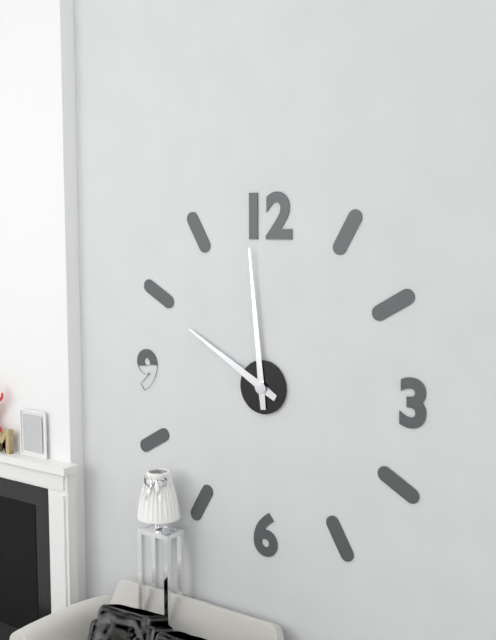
9:59
